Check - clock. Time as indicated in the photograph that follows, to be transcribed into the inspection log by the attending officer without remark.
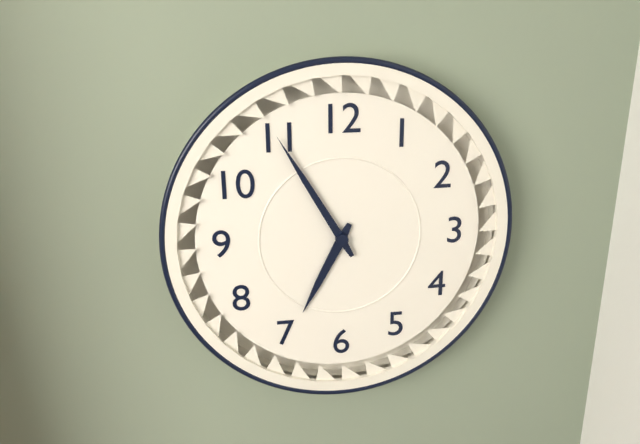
6:55
